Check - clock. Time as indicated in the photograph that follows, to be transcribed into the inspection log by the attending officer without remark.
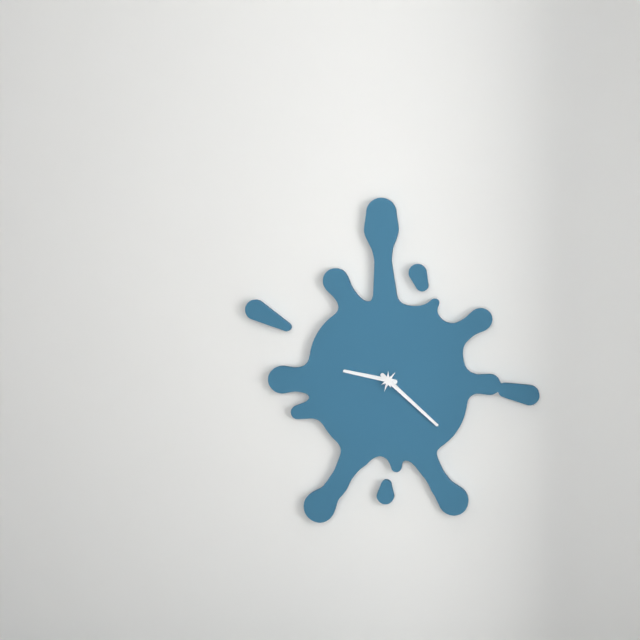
9:22
